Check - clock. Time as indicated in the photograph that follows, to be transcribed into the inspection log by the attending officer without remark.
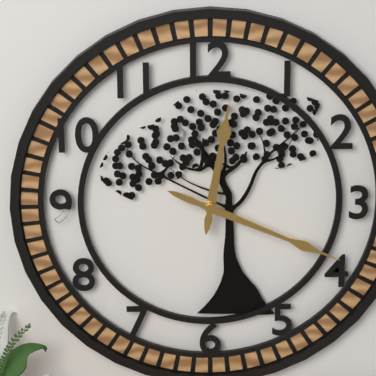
12:19
